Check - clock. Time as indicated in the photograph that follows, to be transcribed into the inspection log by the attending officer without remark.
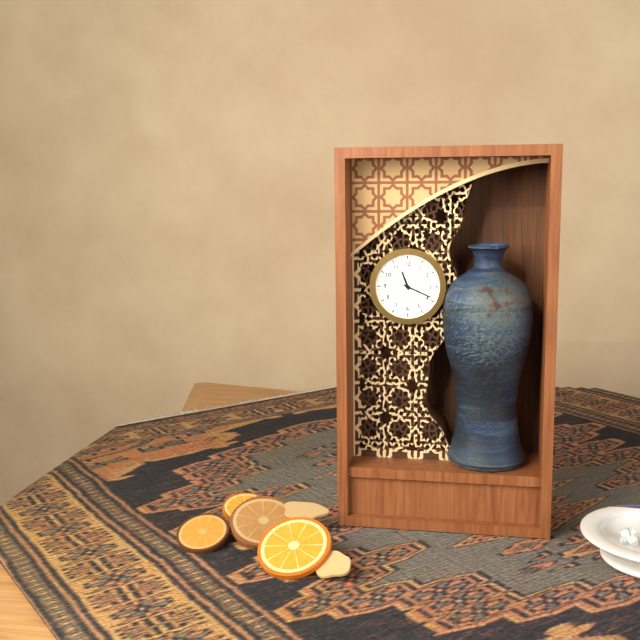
11:19
